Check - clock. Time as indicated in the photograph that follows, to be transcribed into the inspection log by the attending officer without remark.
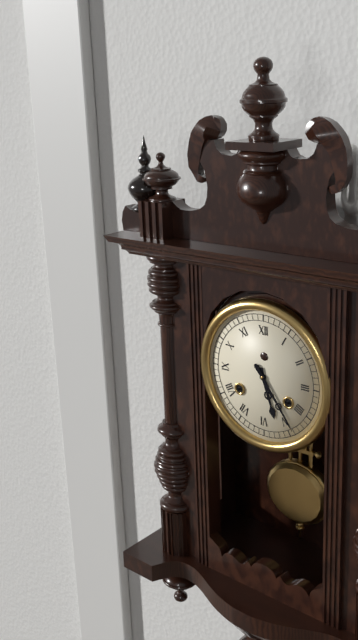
5:24
